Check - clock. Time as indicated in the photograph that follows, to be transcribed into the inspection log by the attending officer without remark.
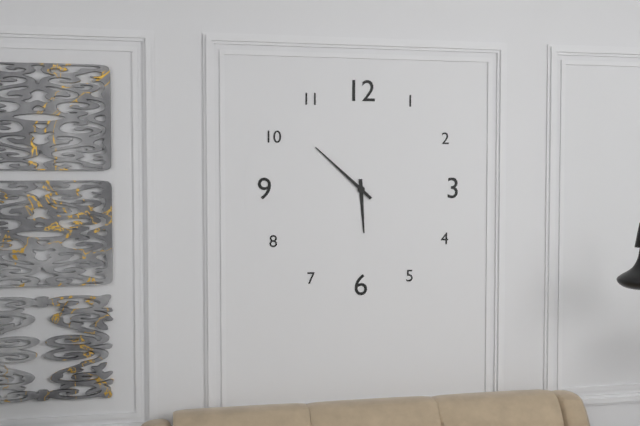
5:52
